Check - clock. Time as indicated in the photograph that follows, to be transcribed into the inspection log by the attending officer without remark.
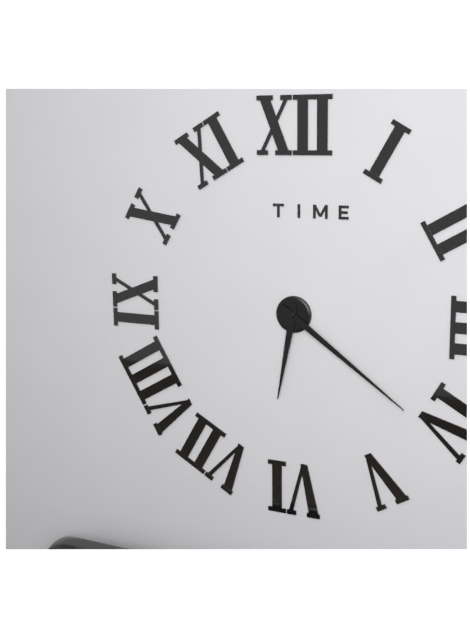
6:21
